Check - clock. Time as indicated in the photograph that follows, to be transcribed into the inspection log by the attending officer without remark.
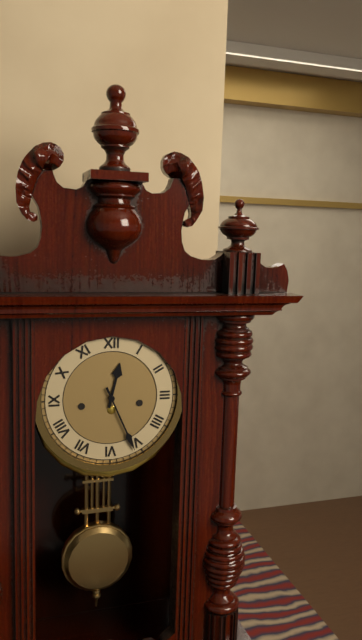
12:26
